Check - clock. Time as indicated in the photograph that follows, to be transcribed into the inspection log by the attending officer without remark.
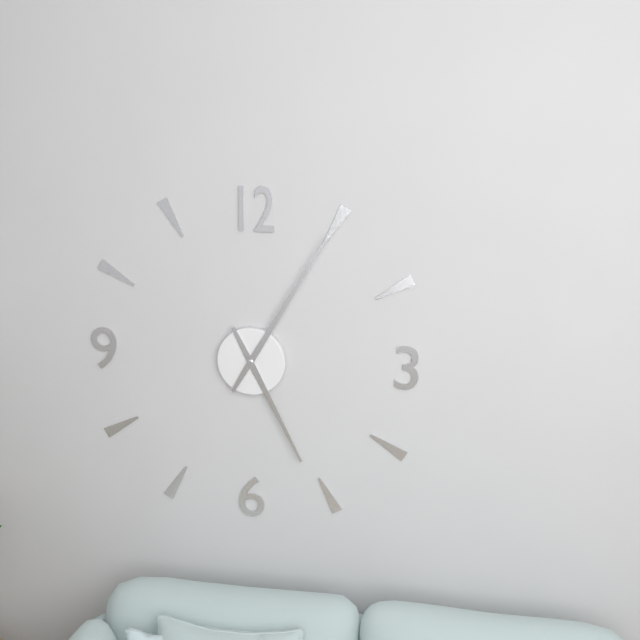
5:05
